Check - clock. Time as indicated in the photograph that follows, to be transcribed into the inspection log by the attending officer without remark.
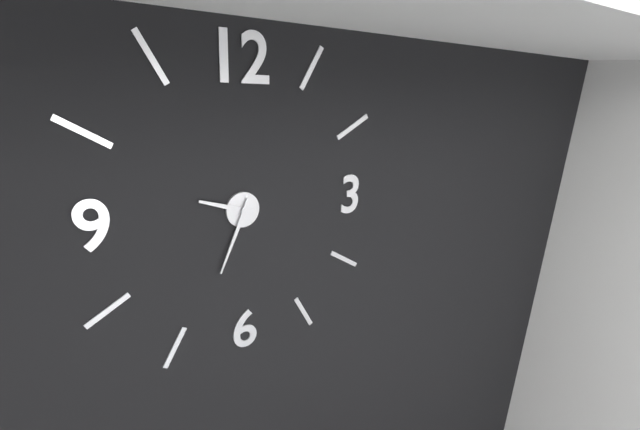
9:34
